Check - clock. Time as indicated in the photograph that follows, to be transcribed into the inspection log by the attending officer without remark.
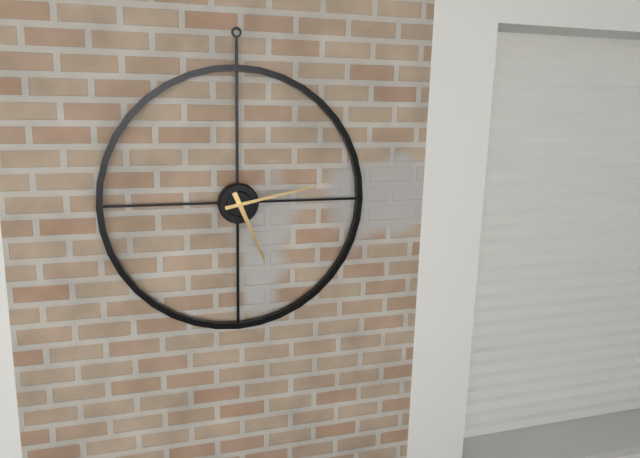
5:13
